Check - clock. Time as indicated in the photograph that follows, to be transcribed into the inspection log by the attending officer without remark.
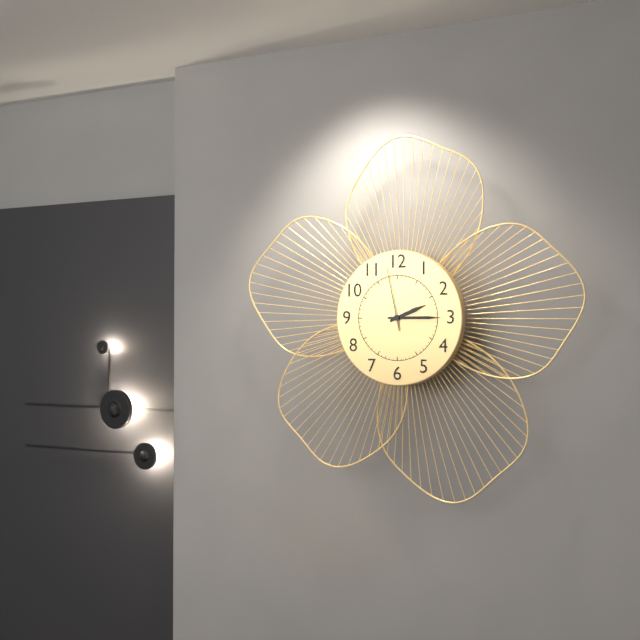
2:15:58
